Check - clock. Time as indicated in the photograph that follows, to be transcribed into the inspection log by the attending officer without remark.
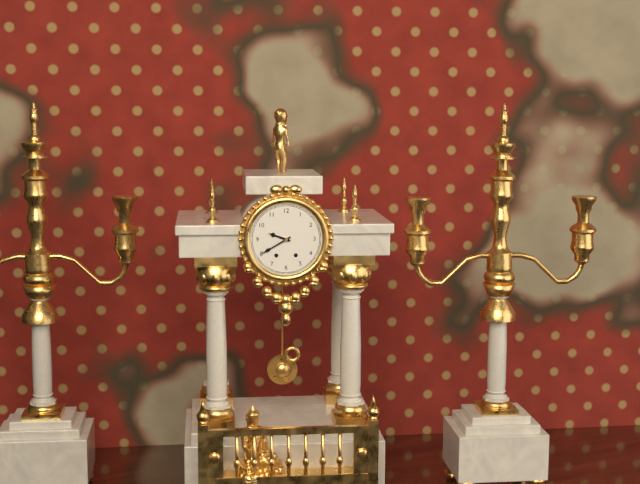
9:40
